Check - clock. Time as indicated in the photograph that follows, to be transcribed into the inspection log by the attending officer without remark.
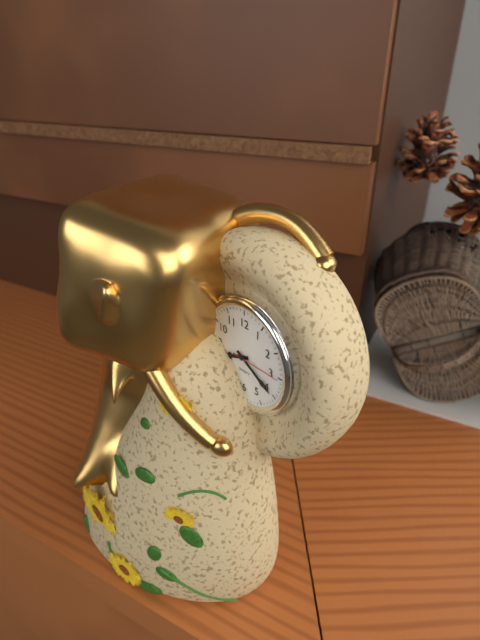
8:20:15
